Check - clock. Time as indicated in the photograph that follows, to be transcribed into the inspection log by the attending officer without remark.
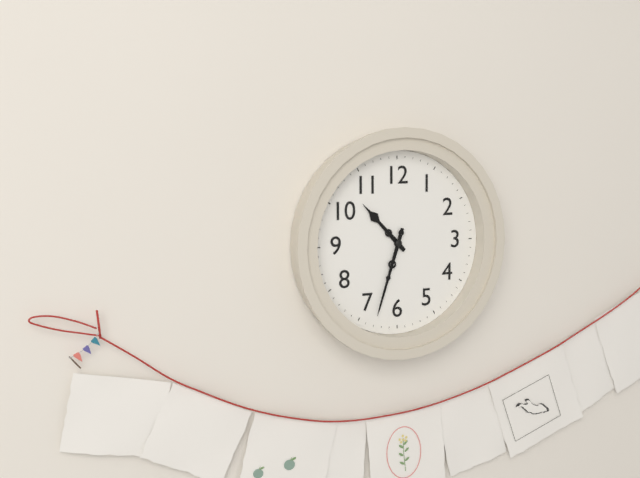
10:33
